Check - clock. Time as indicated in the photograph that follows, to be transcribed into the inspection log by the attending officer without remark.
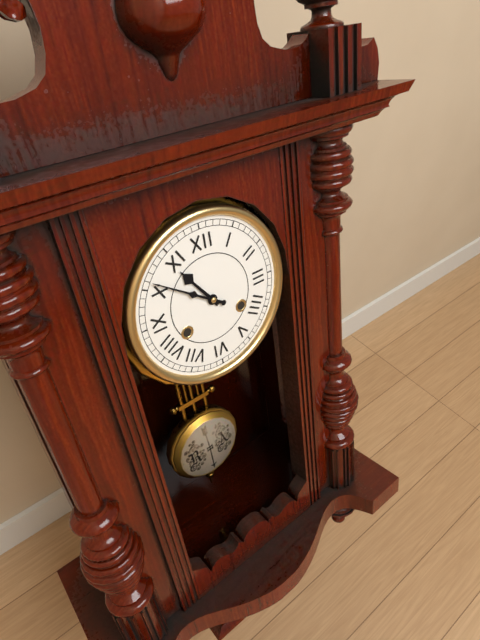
10:51
